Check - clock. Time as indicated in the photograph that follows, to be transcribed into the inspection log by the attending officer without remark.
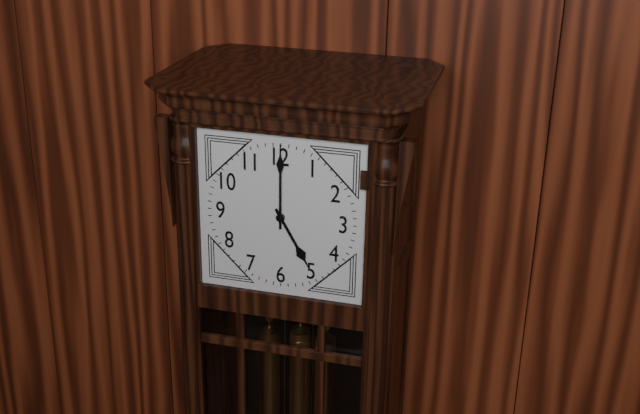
5:00
